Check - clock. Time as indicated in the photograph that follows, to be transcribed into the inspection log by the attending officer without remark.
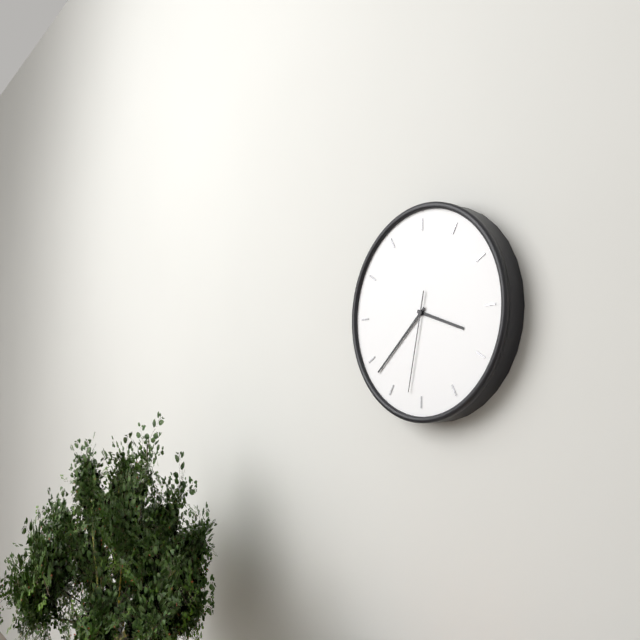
3:38:32
